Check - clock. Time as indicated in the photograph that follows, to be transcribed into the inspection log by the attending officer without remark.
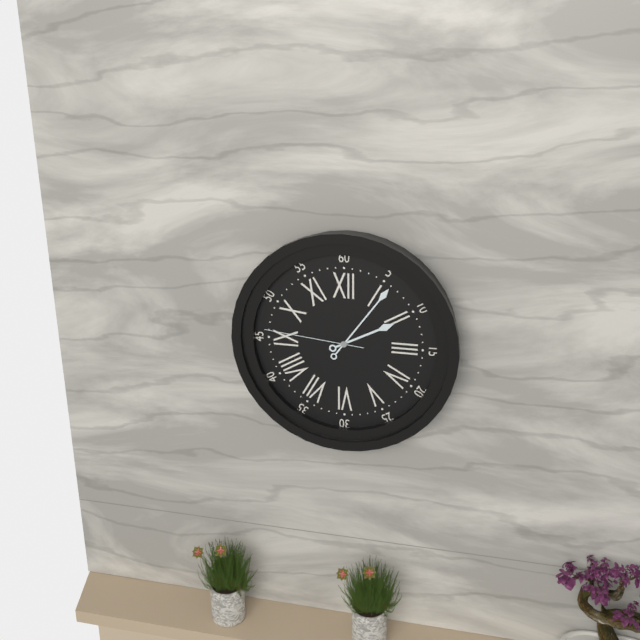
2:06:46
